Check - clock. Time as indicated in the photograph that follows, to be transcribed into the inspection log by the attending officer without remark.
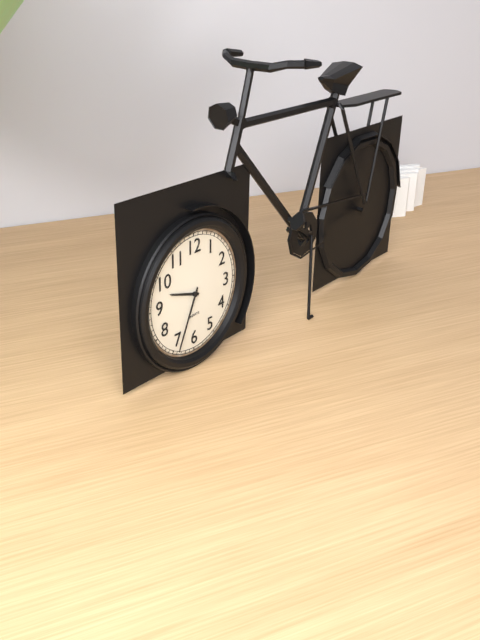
9:34
